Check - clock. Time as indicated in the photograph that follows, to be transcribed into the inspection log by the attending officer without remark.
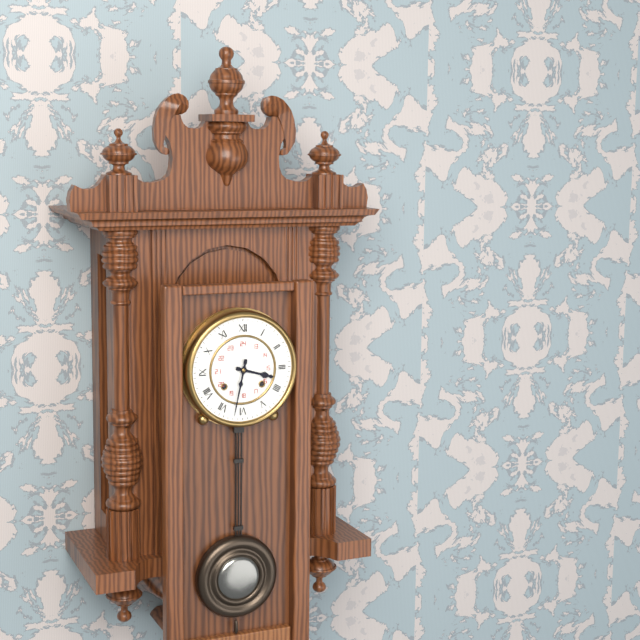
3:32
